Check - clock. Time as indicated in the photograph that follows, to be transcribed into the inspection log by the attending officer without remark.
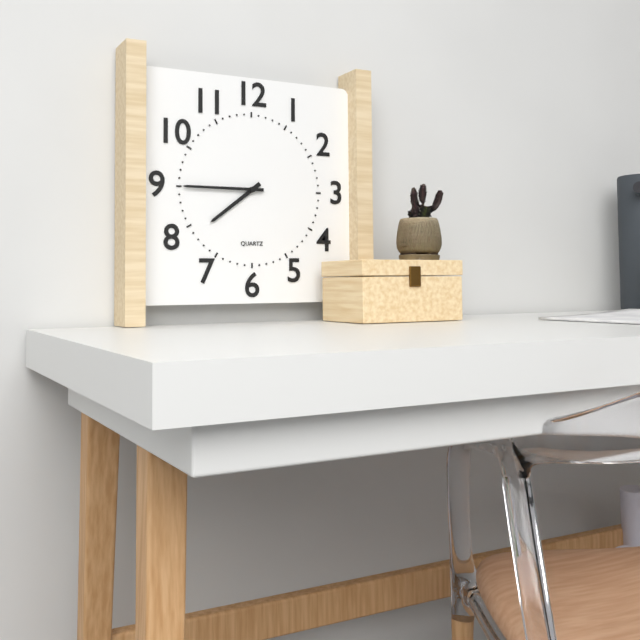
7:45
